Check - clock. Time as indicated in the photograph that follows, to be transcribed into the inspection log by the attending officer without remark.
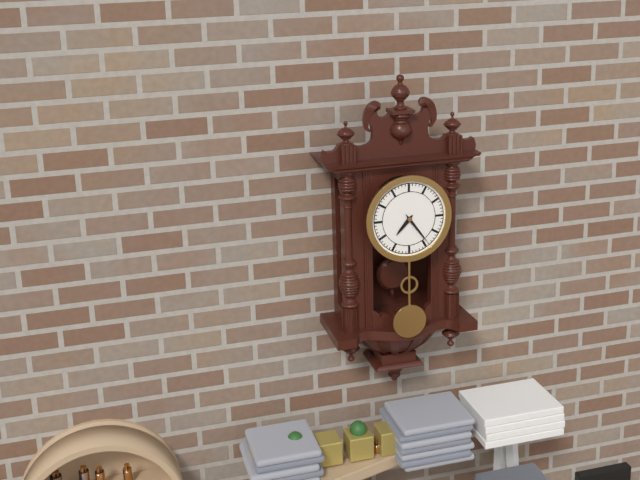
7:24
